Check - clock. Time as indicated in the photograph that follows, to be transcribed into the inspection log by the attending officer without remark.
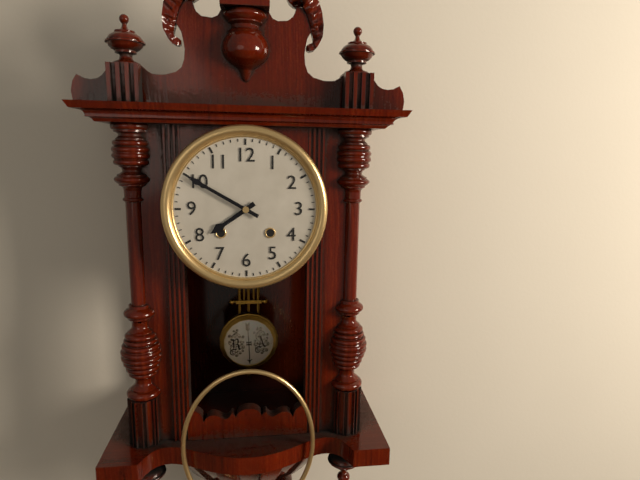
7:50
